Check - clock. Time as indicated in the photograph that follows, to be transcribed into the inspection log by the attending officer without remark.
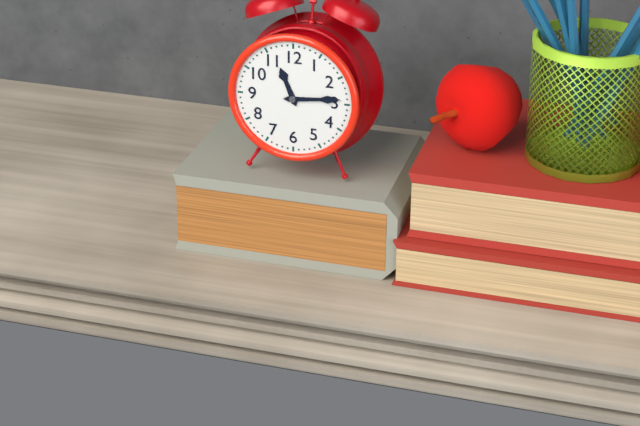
11:14
